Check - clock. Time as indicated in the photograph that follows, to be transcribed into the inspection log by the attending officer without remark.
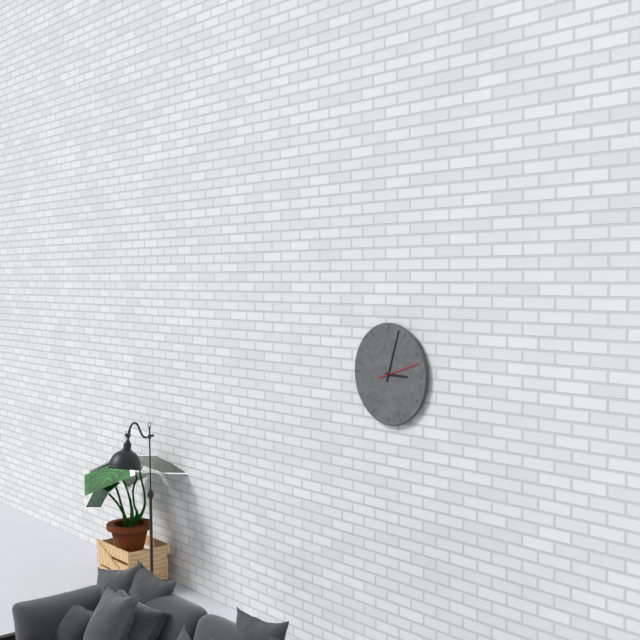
3:03
